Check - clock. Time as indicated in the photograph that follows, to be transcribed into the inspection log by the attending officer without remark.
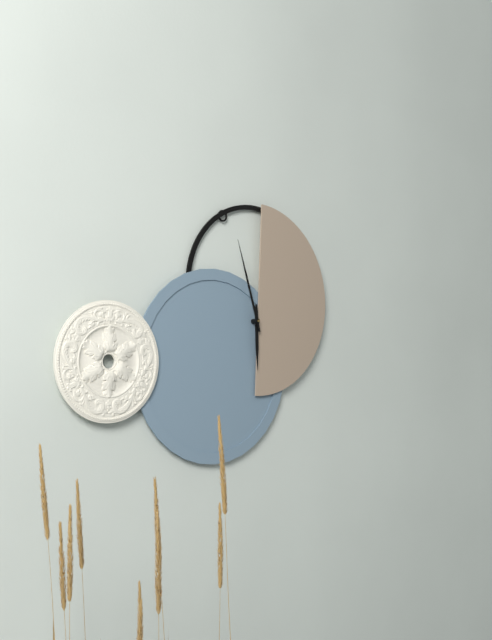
5:57
